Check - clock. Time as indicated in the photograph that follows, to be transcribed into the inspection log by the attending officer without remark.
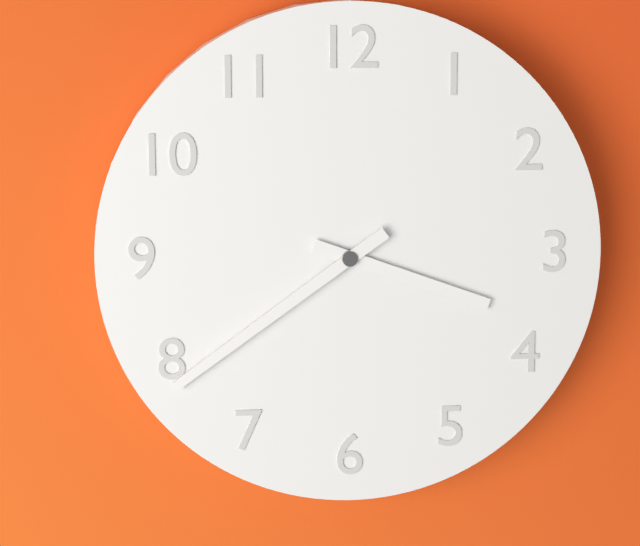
3:39
